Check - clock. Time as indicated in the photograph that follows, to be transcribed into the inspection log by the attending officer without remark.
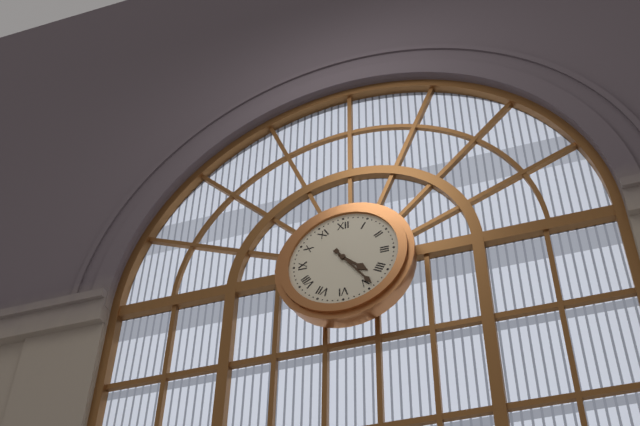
4:24
